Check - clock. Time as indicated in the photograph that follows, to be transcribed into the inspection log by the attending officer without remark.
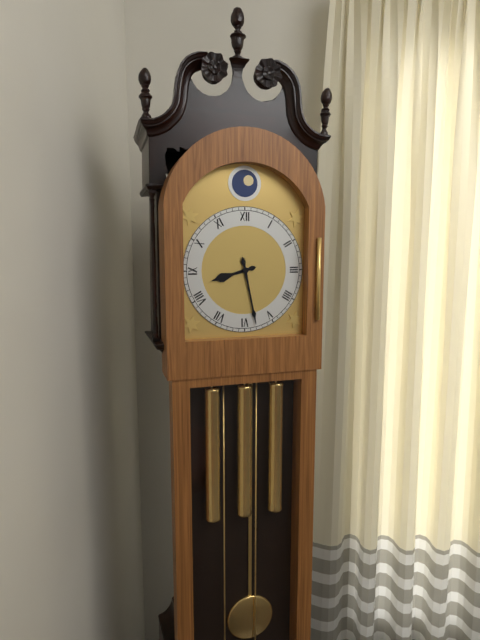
8:28
